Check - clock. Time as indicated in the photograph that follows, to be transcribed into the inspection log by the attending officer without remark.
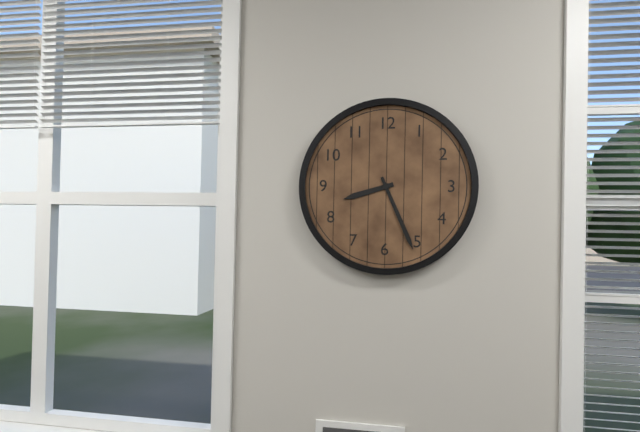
8:26
